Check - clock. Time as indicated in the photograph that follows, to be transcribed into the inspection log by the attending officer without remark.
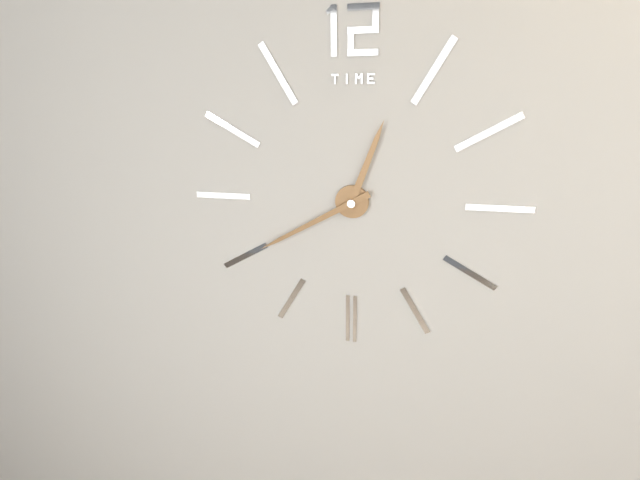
12:40
